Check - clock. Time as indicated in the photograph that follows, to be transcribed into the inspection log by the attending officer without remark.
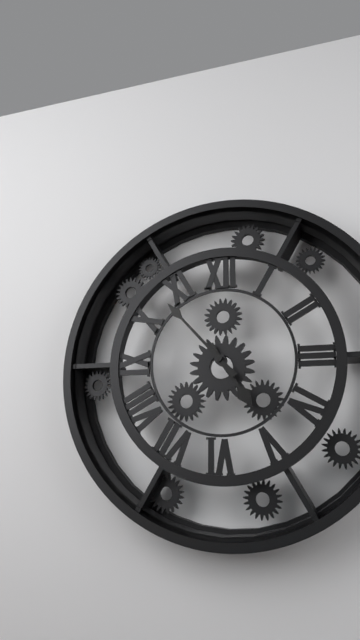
4:53
